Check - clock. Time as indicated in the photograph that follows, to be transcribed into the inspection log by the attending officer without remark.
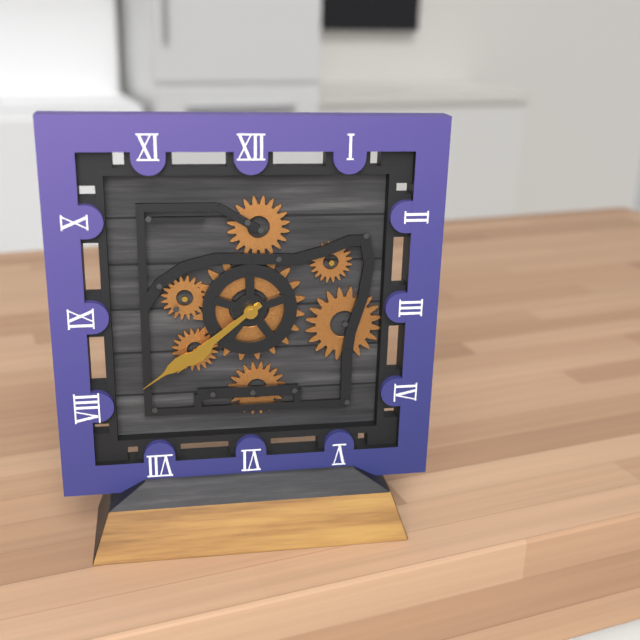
7:39
